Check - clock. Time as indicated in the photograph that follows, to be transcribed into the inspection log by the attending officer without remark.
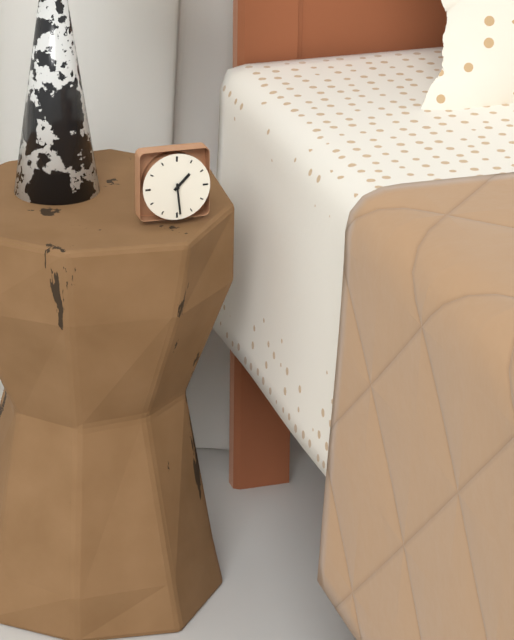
1:29
